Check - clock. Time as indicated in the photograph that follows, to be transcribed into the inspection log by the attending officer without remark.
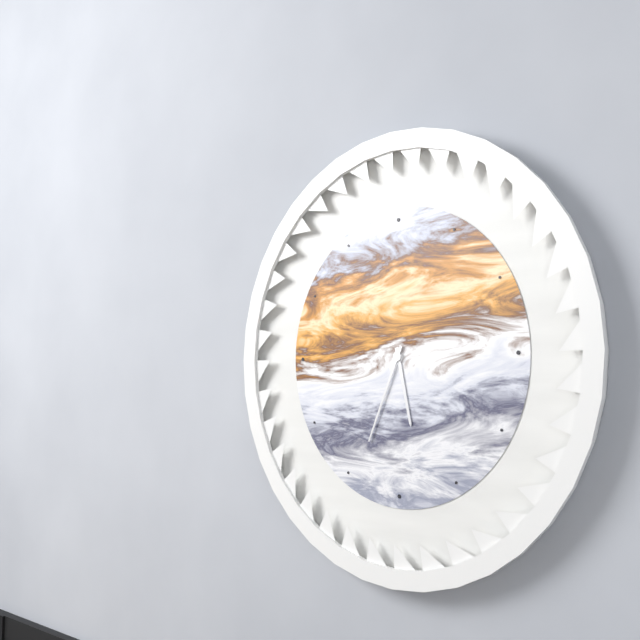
5:34
